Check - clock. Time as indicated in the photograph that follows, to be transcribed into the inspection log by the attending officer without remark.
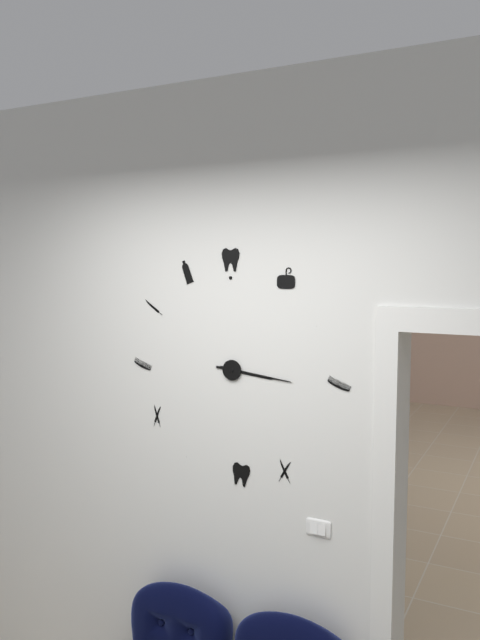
3:16
